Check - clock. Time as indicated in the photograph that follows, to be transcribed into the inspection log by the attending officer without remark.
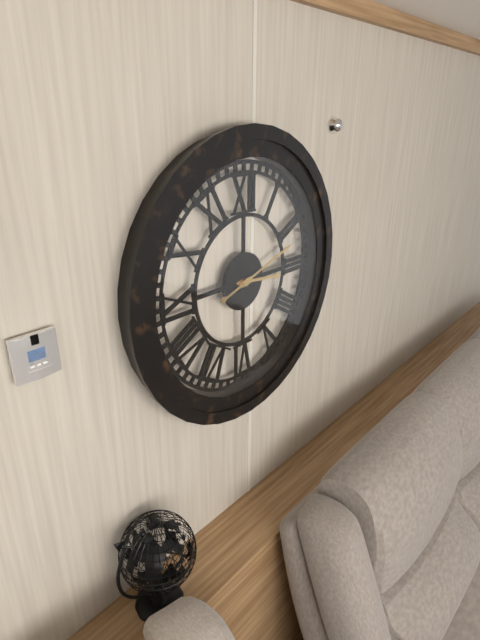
3:12
